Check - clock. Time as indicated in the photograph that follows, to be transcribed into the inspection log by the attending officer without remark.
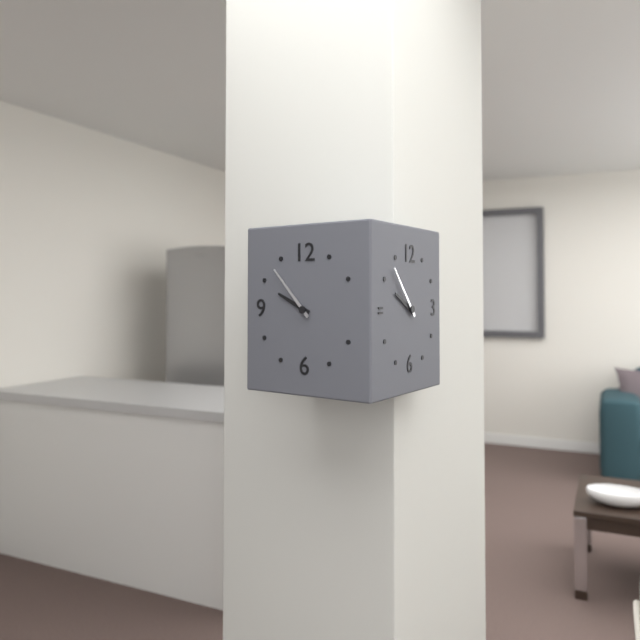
9:53
